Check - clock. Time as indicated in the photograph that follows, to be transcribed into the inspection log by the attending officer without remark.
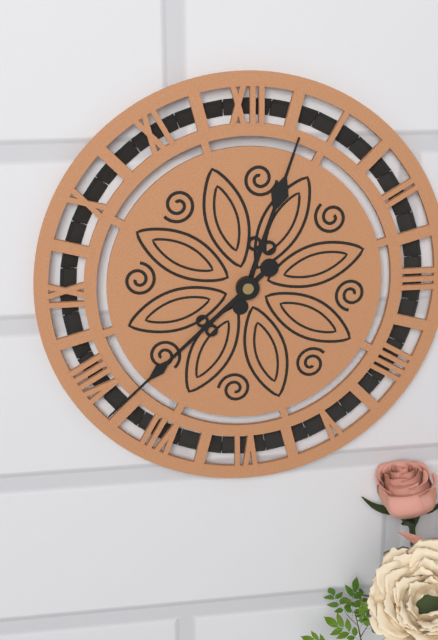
12:38
